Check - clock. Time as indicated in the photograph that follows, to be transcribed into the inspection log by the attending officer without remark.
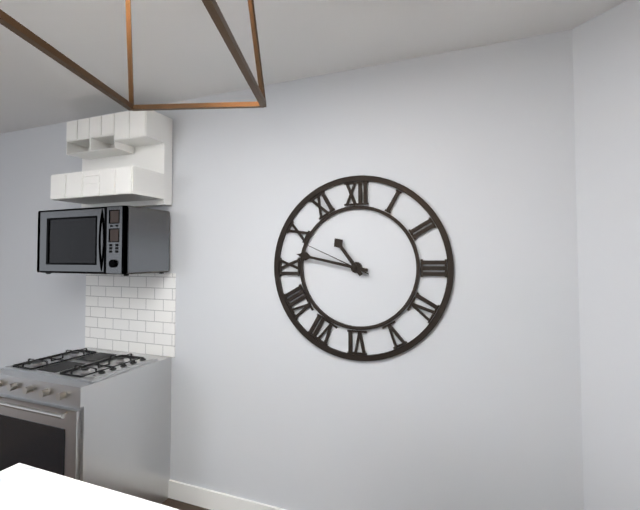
10:47:49
